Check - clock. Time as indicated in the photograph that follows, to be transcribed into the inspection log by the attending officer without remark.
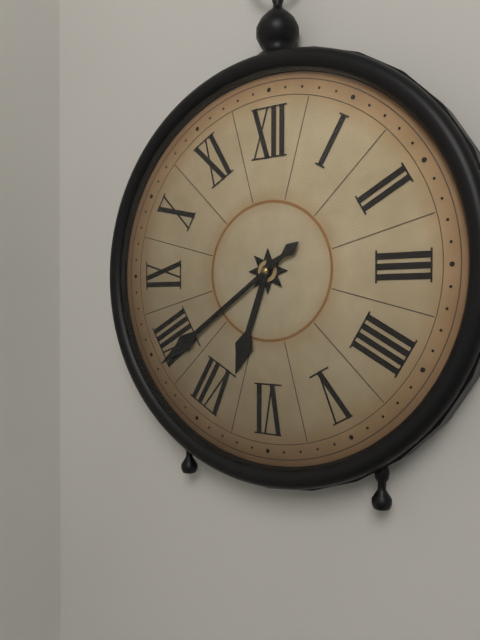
6:39
